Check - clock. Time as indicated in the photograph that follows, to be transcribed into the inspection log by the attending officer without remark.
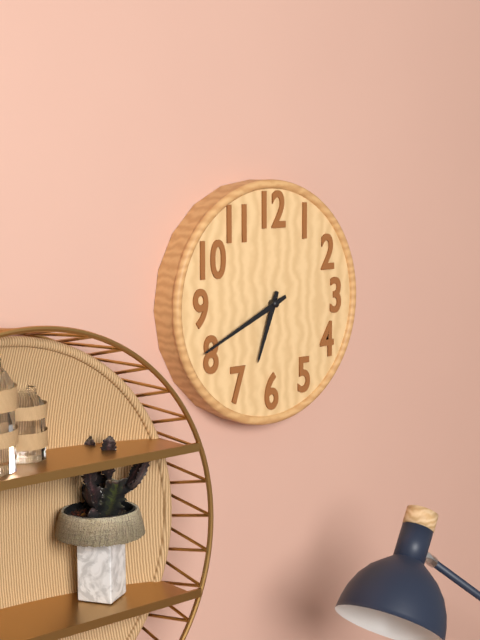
6:41
